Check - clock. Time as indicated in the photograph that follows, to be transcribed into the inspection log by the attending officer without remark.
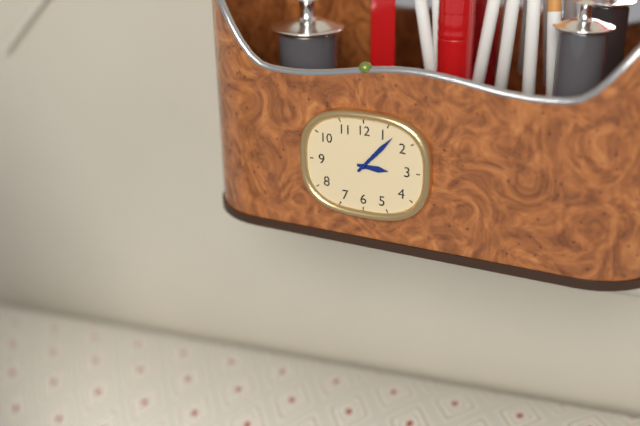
3:07
